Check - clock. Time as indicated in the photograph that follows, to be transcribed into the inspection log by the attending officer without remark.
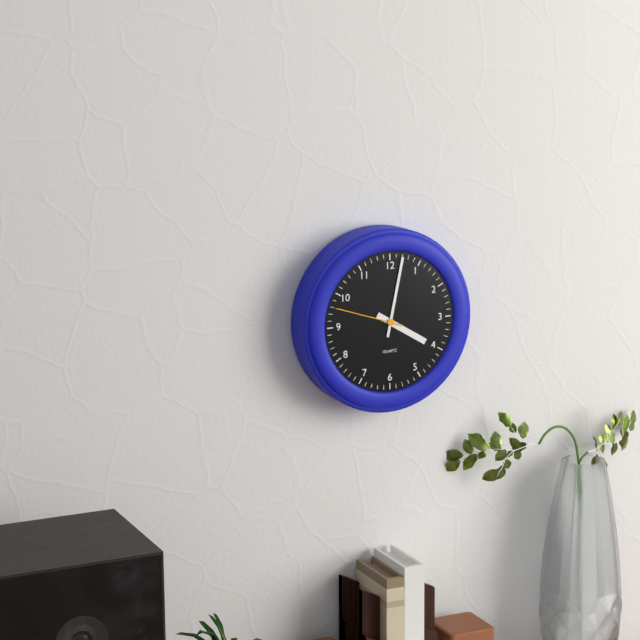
4:02:48
